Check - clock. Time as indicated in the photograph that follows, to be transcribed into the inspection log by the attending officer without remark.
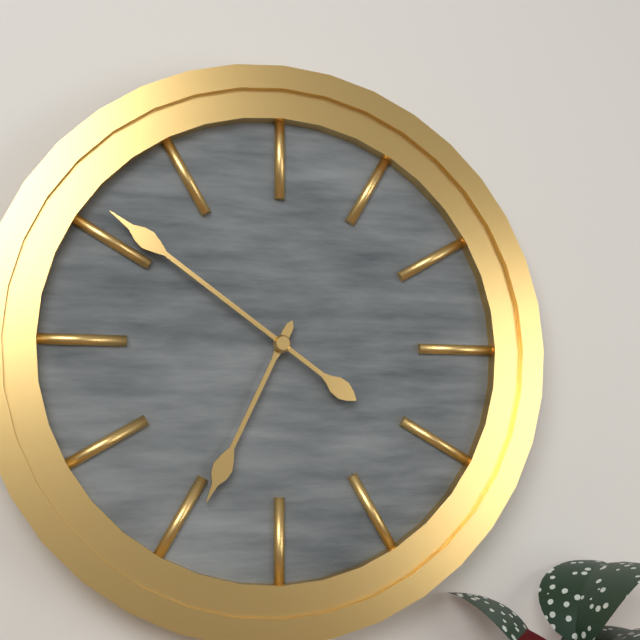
6:51
